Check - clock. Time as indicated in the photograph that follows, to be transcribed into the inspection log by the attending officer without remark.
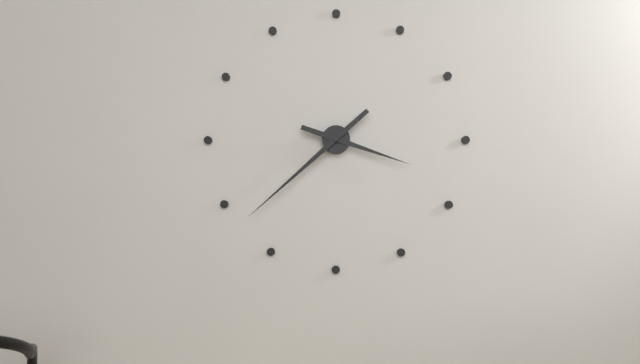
3:38
